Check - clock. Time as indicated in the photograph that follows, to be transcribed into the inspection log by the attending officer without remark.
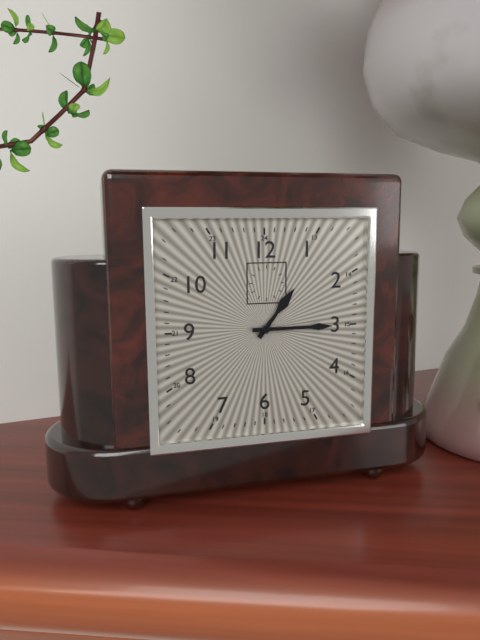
1:15
